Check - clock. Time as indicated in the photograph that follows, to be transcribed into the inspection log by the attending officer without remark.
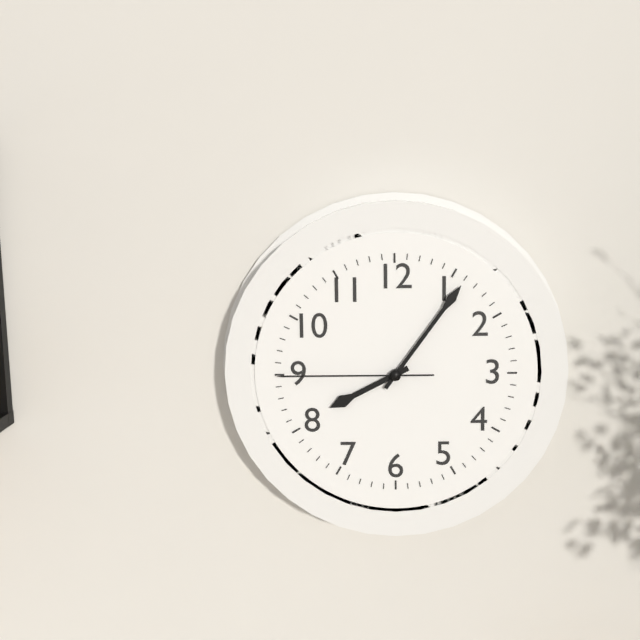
8:06:45
